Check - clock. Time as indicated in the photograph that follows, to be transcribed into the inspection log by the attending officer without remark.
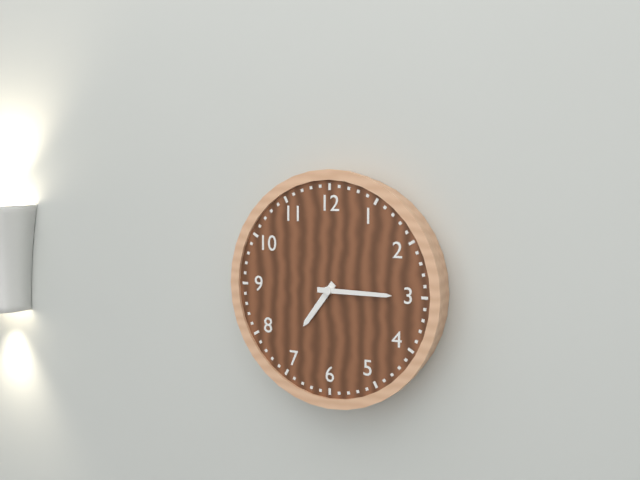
7:15
